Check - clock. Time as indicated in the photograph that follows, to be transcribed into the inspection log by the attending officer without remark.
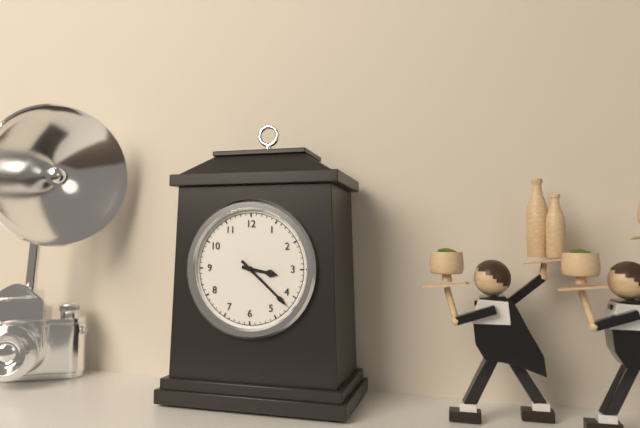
3:22
